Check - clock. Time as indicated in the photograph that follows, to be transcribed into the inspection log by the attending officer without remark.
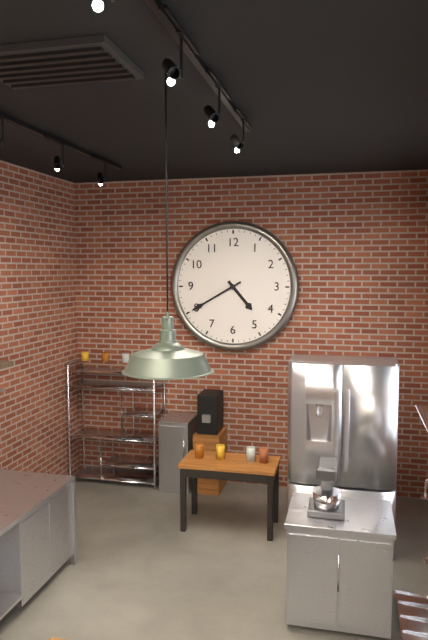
4:40
